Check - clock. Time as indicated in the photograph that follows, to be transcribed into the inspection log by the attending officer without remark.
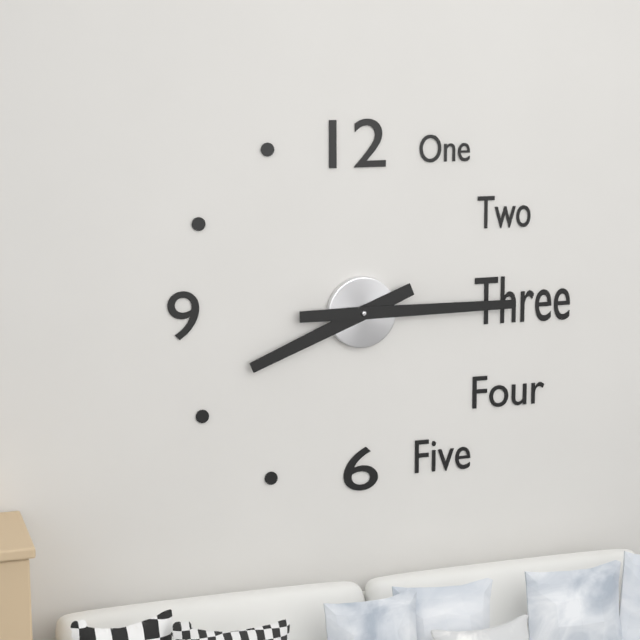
8:15
